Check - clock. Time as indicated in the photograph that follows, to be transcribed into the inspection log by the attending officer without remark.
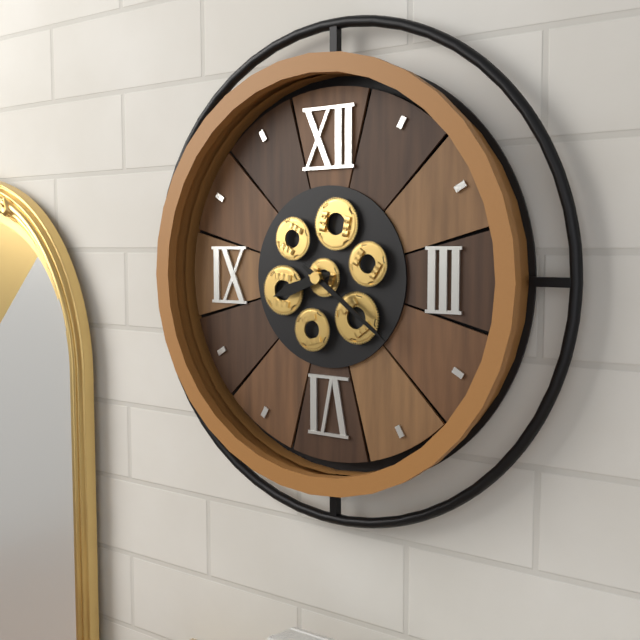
8:21
